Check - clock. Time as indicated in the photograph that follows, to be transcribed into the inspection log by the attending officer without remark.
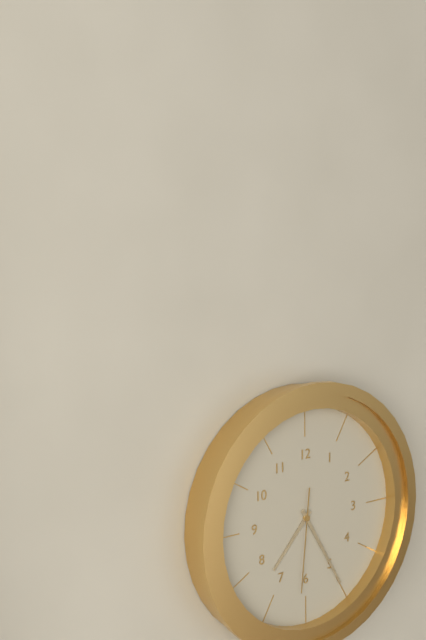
7:25:31
